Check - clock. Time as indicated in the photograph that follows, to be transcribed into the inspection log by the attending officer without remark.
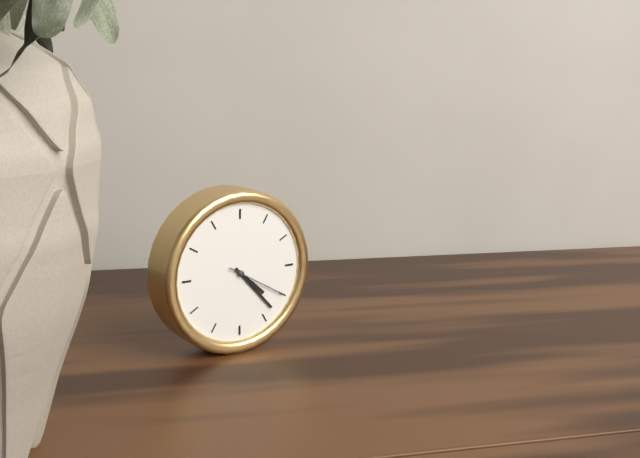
4:23:20
